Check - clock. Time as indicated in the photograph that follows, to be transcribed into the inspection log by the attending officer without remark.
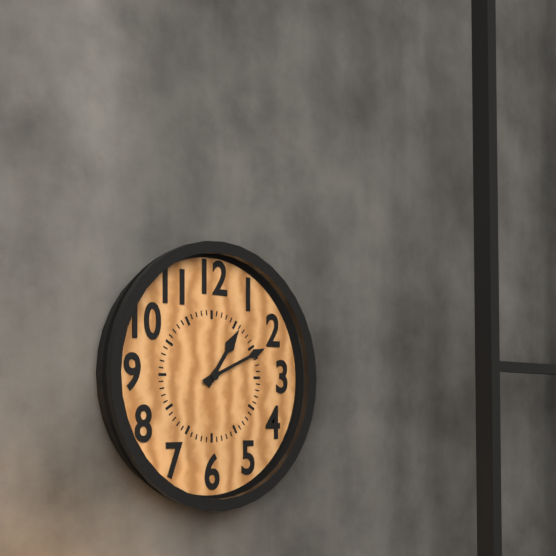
1:11
